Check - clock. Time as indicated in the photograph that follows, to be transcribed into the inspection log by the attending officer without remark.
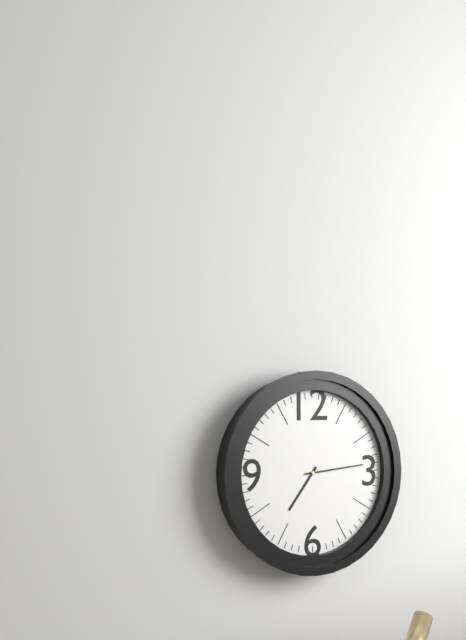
7:14
